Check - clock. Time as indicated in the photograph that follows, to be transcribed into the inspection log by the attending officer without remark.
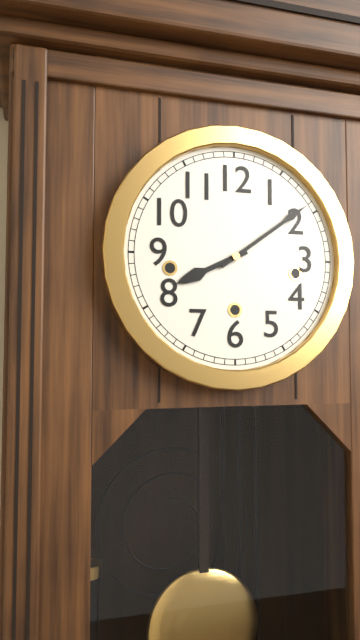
8:09
